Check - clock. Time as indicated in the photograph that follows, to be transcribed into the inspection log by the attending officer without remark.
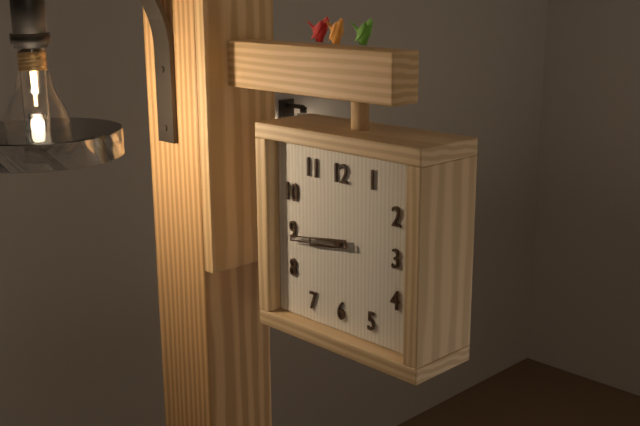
8:44
